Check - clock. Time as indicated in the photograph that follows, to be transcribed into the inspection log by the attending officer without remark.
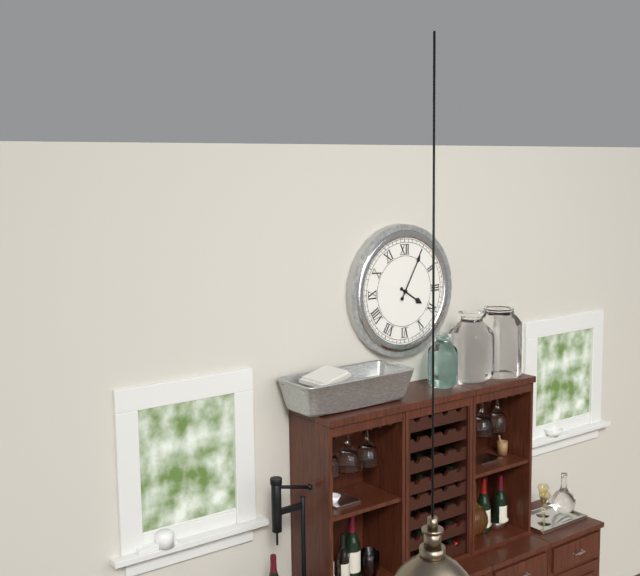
4:05
